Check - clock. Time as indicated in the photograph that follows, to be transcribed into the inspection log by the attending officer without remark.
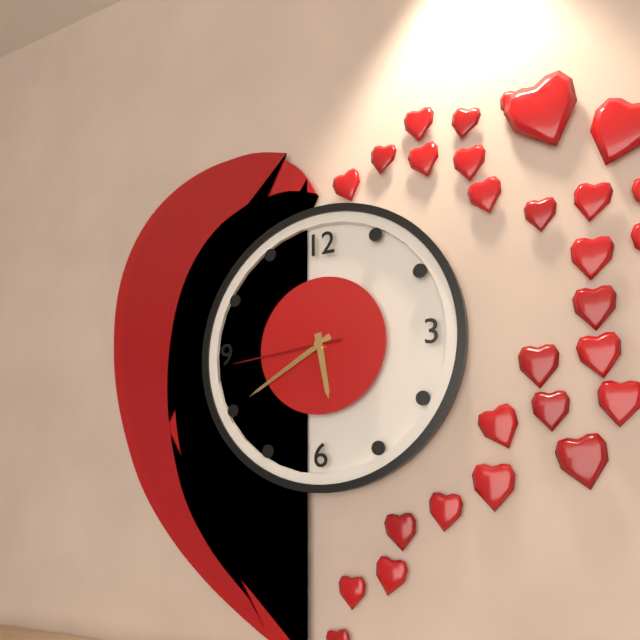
5:40:44
